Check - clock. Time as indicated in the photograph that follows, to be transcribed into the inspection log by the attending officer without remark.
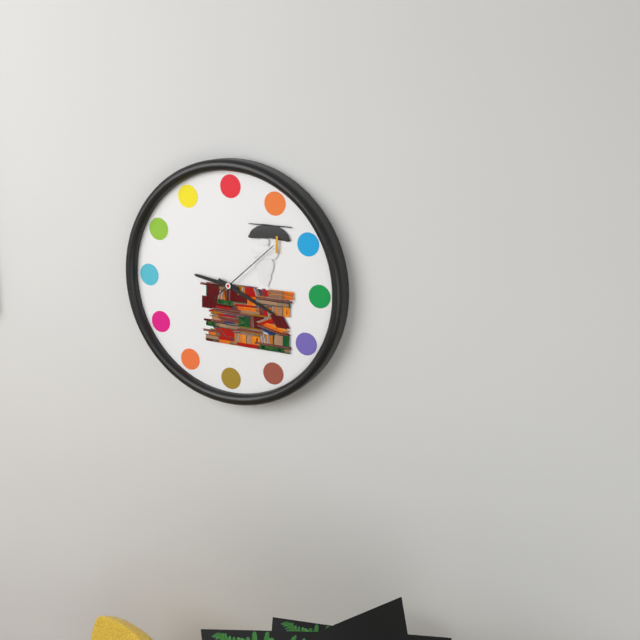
9:19:08
